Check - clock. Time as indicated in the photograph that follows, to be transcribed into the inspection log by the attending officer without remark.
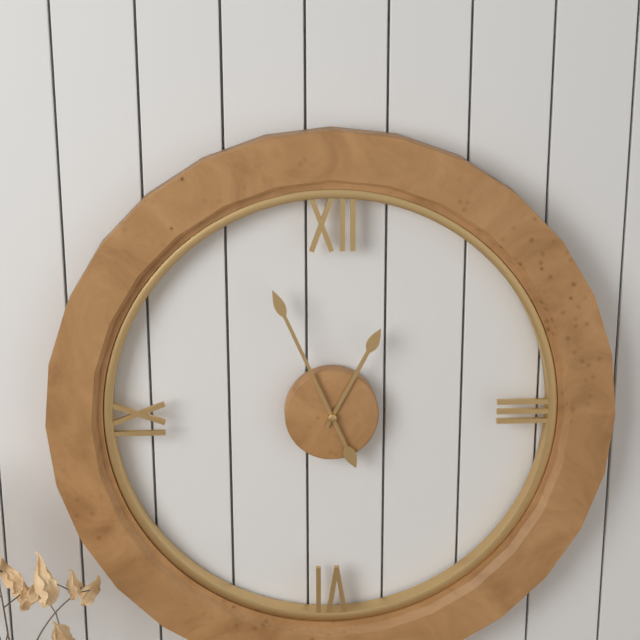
12:56
